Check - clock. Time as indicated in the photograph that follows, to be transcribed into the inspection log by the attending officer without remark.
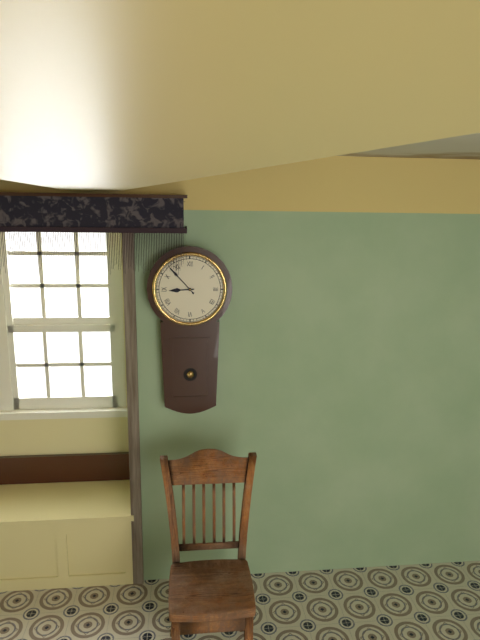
8:53
